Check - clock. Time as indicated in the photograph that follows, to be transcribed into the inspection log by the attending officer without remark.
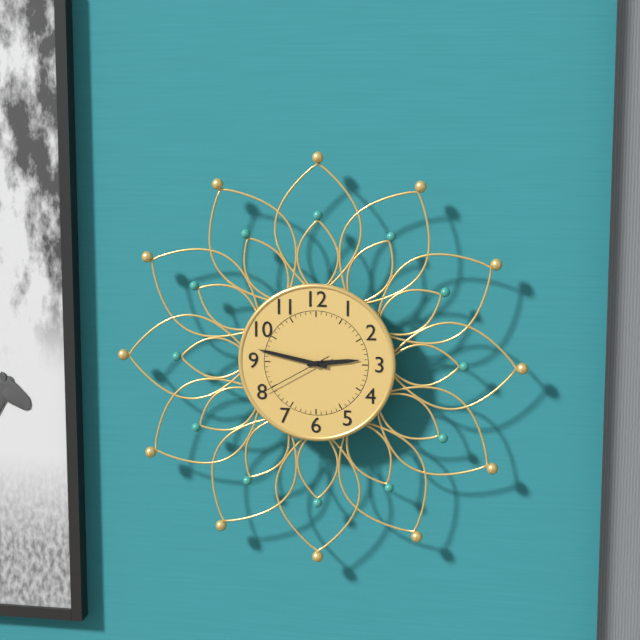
2:47:40
